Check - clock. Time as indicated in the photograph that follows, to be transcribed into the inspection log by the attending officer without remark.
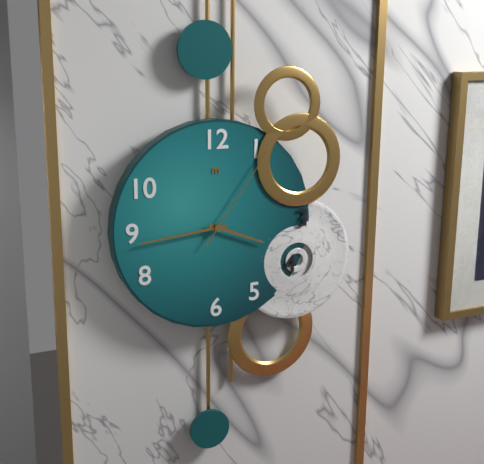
3:44:06
